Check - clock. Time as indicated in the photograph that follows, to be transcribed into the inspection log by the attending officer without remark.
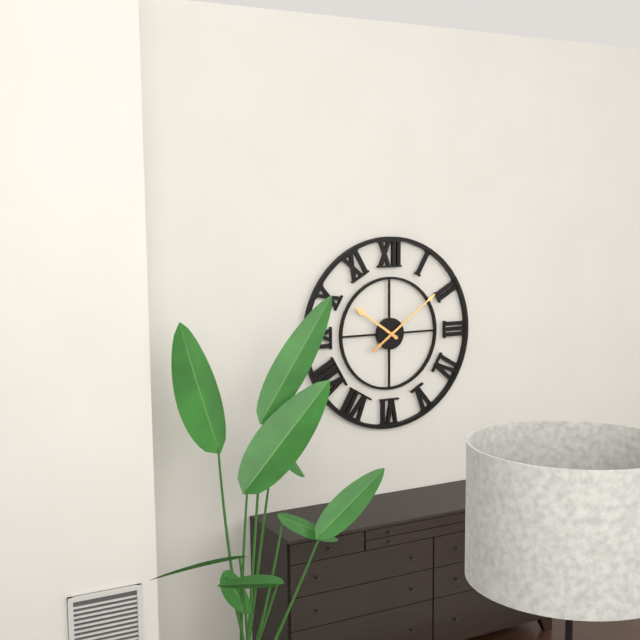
10:09
